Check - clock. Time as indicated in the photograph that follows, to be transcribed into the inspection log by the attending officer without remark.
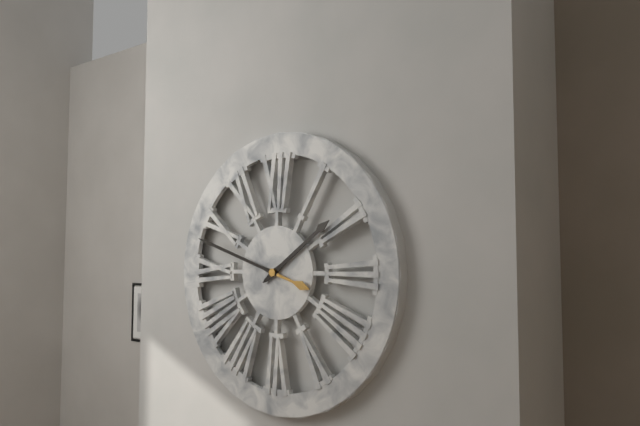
1:48
